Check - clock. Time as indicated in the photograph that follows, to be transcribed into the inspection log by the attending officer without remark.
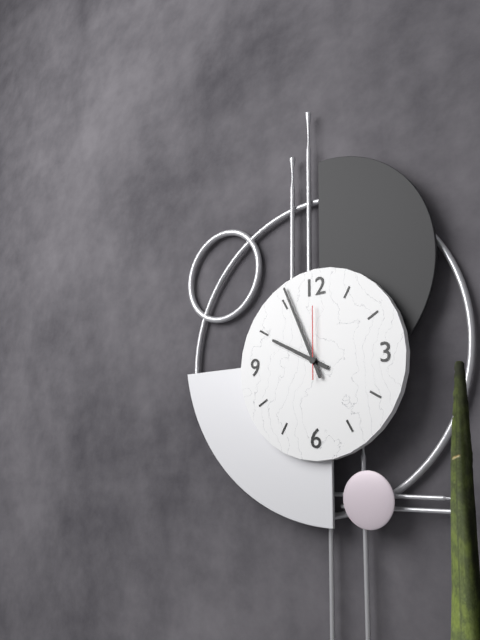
9:56:00
